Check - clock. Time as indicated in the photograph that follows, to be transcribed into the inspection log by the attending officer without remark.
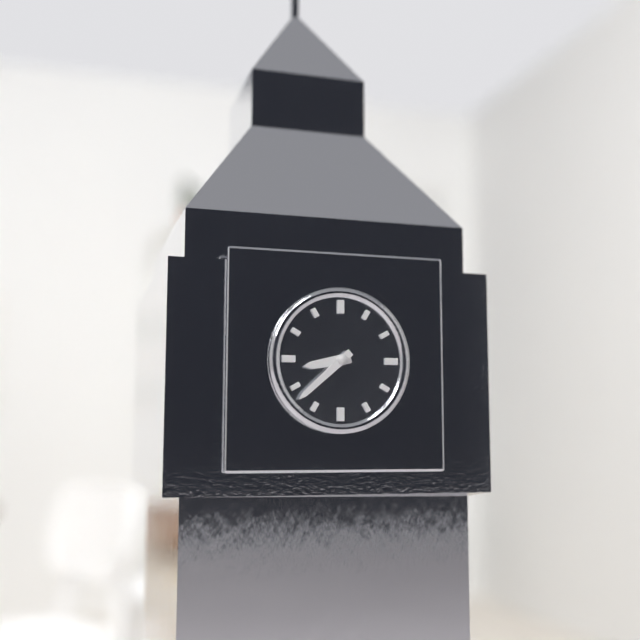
8:38
